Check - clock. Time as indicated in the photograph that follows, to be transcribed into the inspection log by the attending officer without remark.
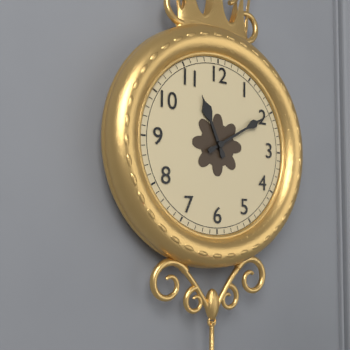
11:10
